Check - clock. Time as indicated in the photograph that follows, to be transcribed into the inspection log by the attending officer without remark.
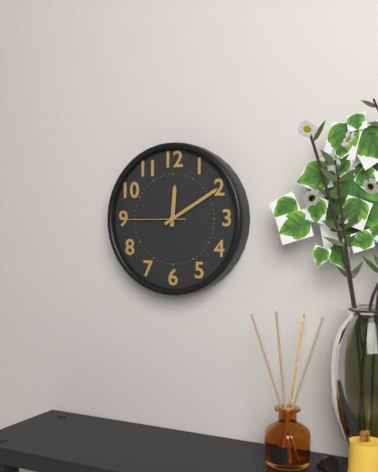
12:10:45
